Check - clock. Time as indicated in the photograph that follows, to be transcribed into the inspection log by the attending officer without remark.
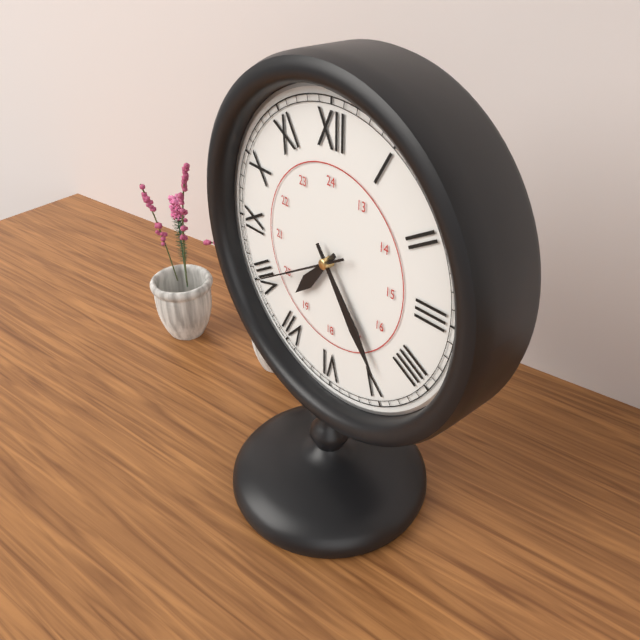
7:24:40
